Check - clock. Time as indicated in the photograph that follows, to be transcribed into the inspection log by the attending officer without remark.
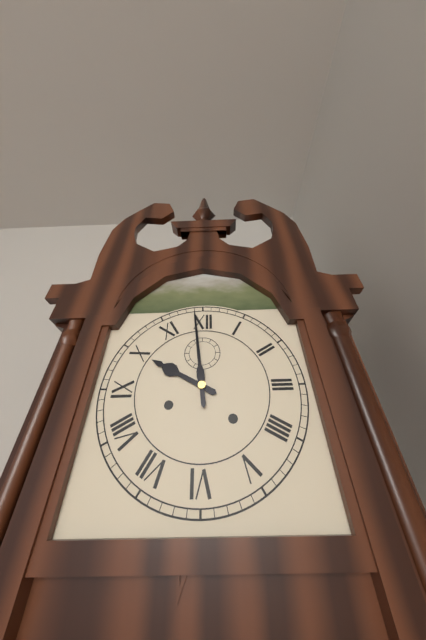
9:59
